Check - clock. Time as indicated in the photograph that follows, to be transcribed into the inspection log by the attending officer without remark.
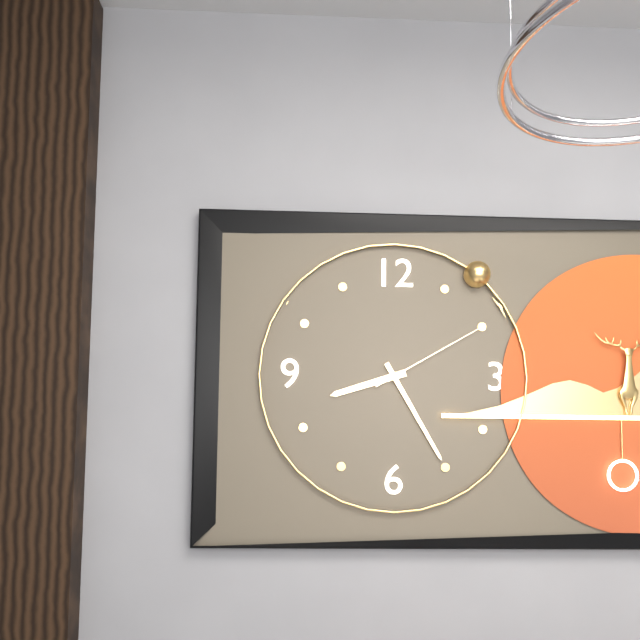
8:25:10
